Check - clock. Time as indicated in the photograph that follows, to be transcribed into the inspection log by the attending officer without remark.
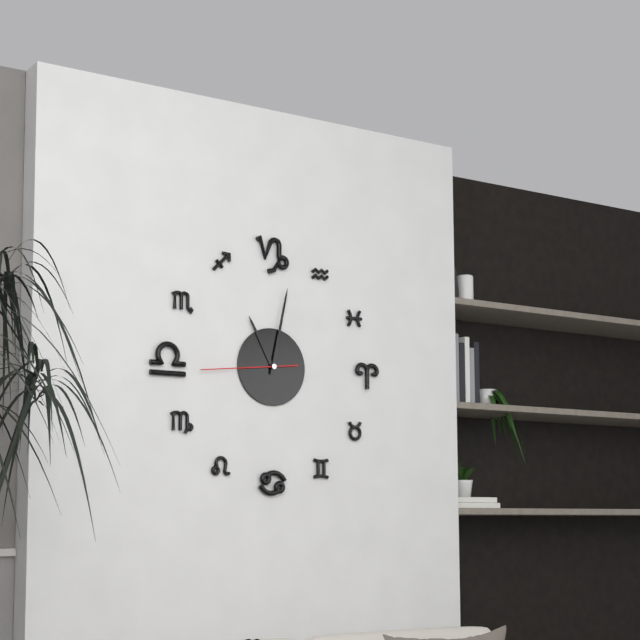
11:02:44
